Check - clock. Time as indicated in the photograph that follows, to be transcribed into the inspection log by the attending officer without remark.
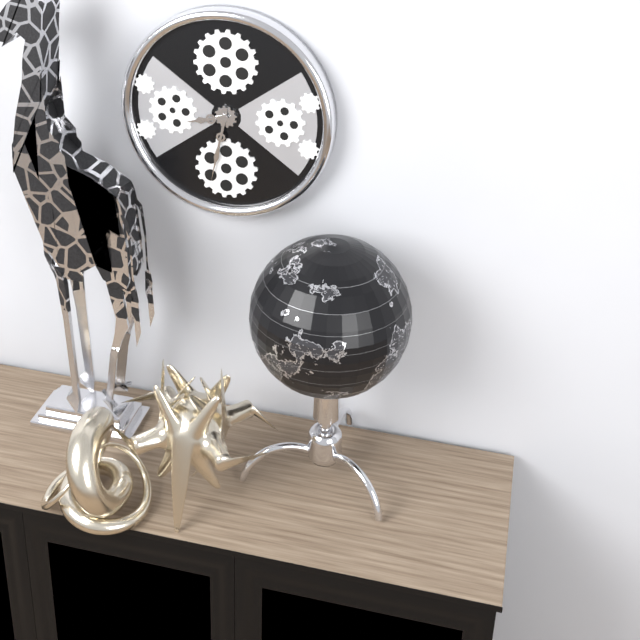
8:32
